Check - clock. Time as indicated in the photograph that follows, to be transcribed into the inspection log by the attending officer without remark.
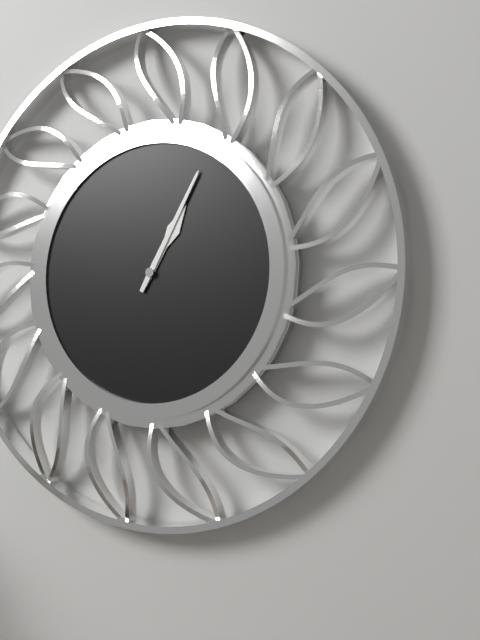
1:05
